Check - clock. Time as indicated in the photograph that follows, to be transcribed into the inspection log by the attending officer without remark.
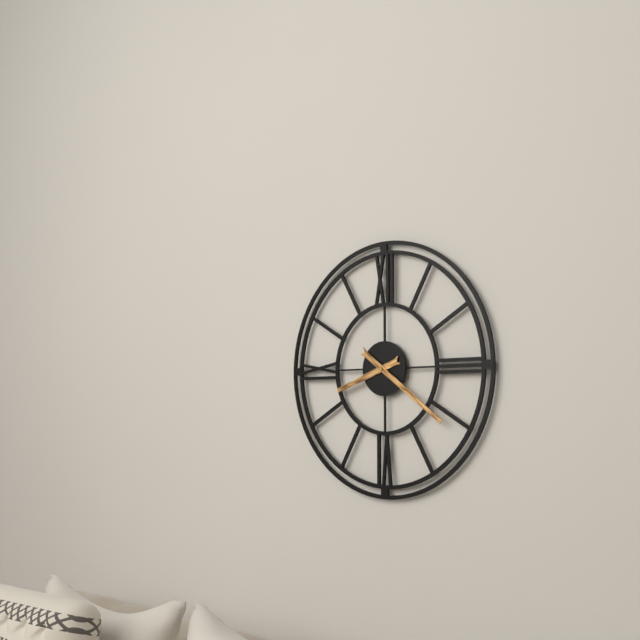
8:21
